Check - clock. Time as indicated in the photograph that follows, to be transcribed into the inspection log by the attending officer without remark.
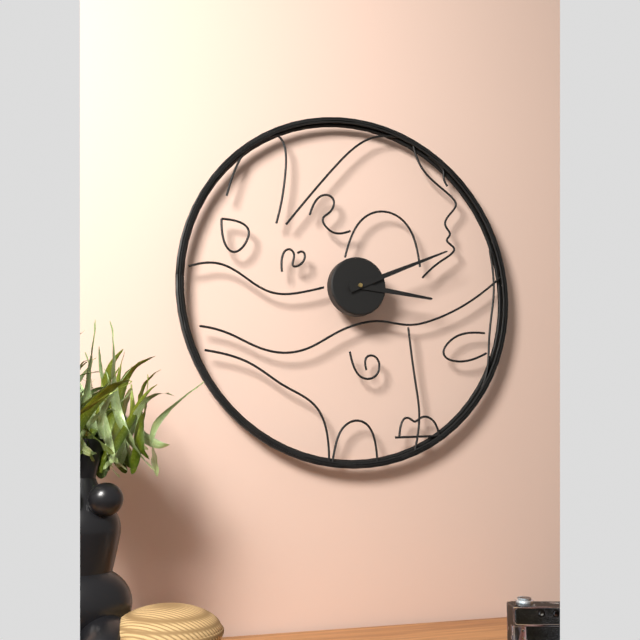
3:11
